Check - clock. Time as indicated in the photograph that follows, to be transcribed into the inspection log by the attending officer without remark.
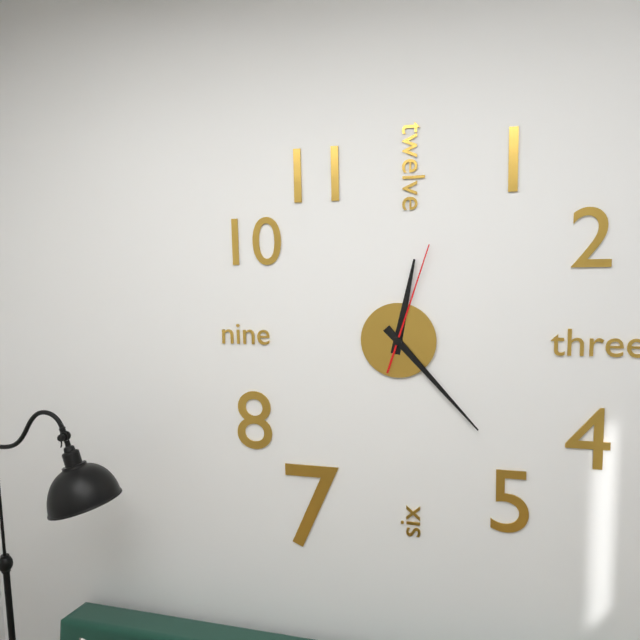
12:23:03
